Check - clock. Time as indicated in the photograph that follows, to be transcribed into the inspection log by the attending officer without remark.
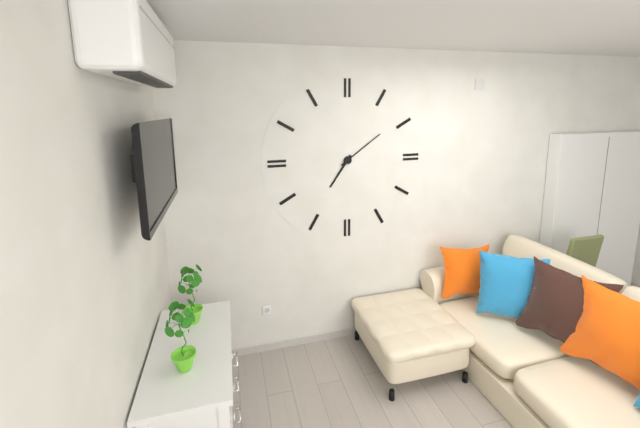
7:09
